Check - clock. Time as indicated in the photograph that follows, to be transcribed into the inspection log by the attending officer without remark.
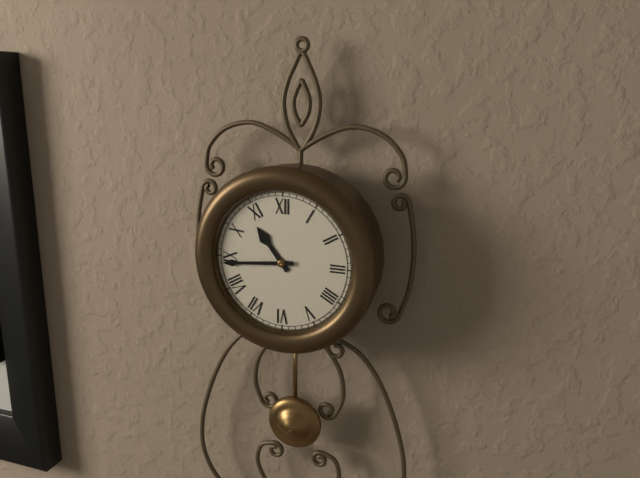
10:44
